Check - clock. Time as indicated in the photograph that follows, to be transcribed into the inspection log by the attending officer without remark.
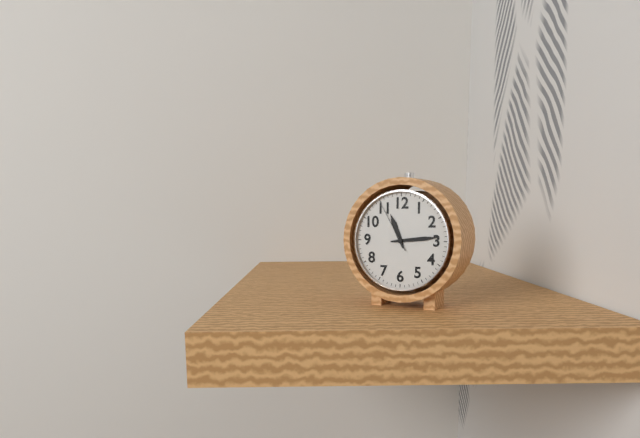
11:14:55
